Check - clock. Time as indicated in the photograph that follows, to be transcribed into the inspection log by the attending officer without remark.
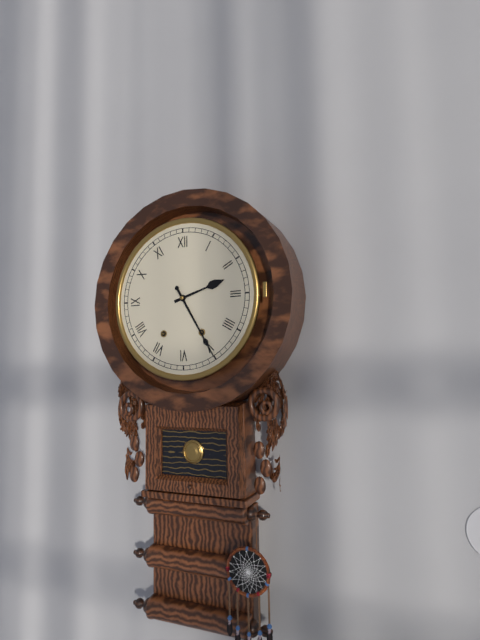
2:25
